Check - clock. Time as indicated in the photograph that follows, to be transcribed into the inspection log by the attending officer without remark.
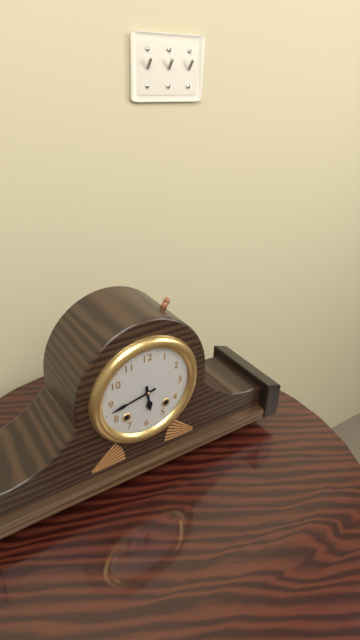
5:43
